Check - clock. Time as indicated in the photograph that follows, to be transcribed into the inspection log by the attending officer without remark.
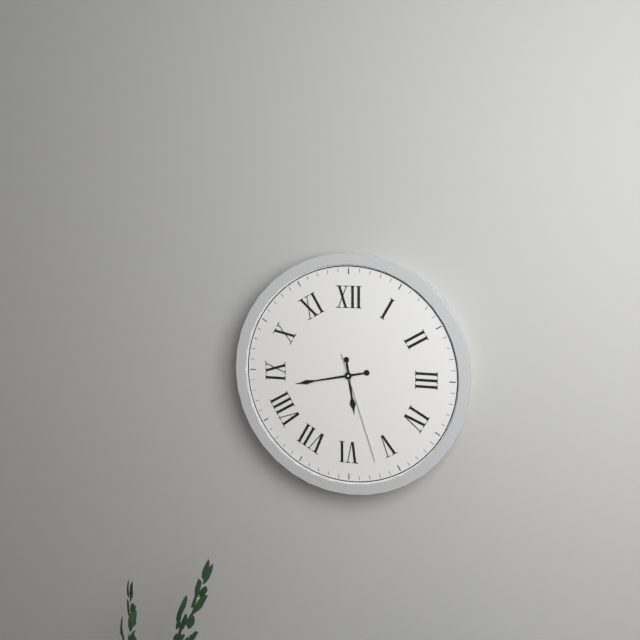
5:43:27
